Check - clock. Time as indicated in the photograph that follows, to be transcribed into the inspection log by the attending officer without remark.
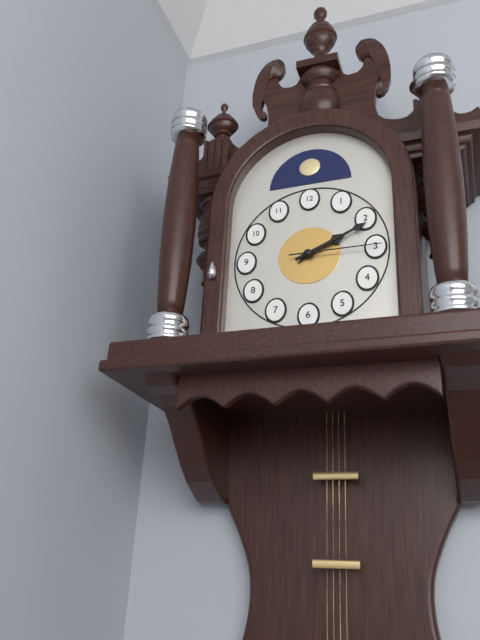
2:11:15
